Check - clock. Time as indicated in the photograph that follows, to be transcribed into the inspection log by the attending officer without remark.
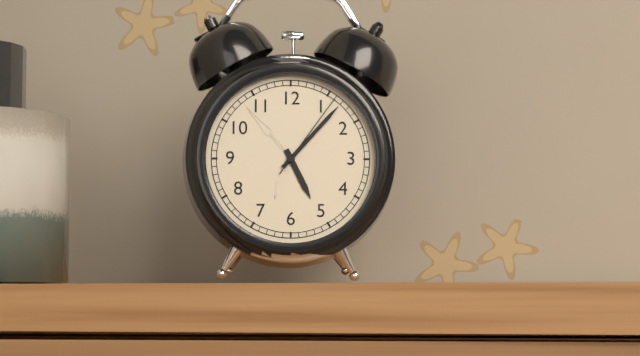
5:07:06
